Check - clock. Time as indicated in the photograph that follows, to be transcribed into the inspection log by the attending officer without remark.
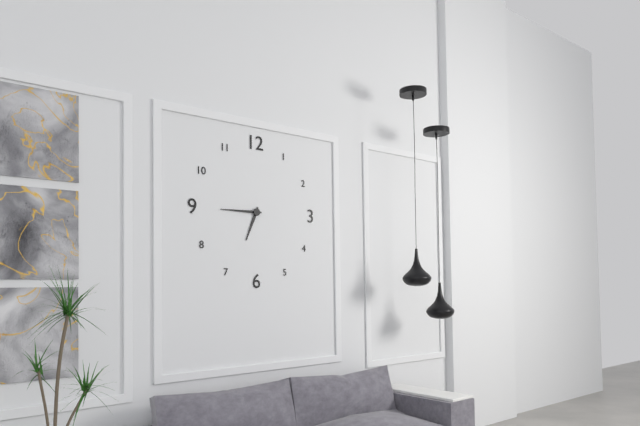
6:45
